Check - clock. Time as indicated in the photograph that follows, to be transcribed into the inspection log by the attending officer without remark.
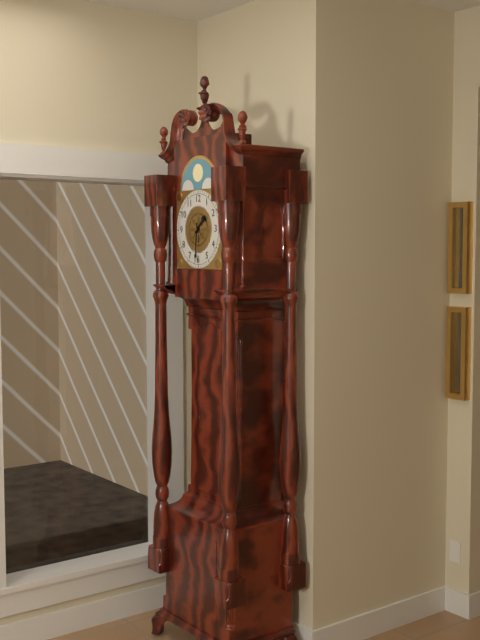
1:31
